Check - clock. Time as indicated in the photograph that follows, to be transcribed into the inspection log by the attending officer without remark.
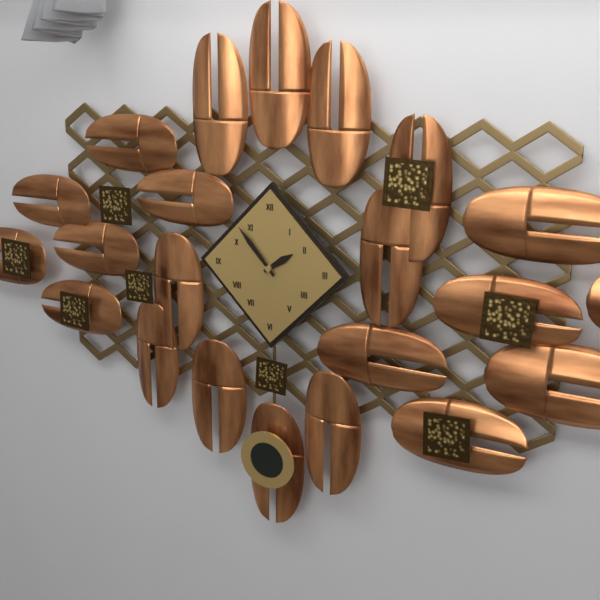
1:53
